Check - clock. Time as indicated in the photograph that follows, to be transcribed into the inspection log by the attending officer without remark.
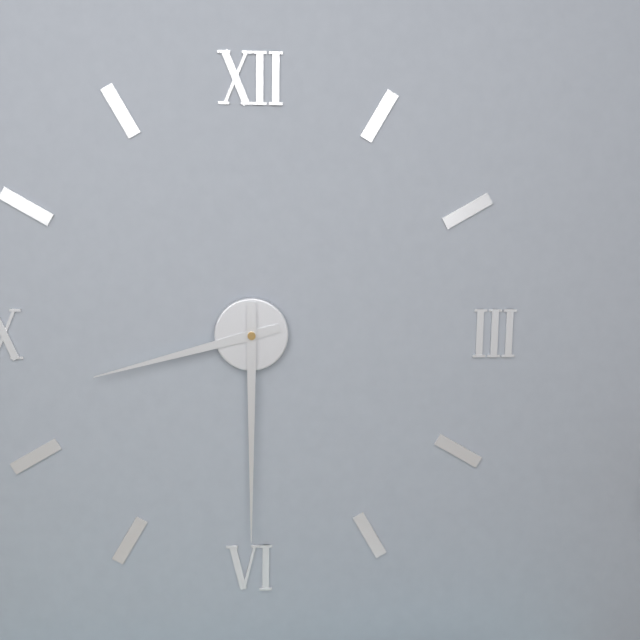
8:30
